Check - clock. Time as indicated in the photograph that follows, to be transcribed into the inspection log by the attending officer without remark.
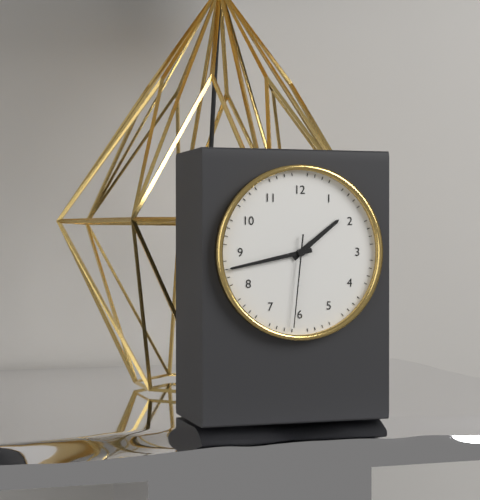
1:43:31
